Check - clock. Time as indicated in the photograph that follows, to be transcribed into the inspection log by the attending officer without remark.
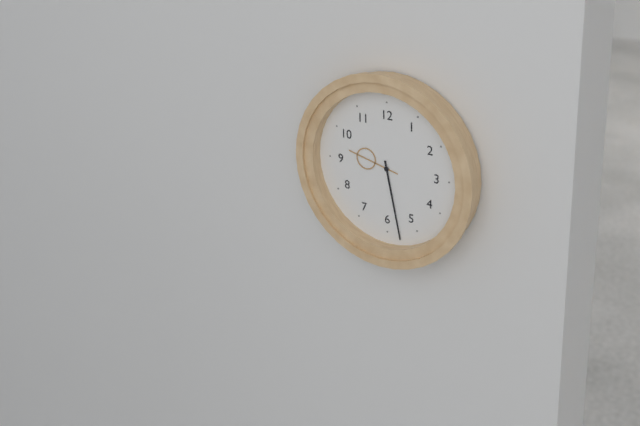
9:28
